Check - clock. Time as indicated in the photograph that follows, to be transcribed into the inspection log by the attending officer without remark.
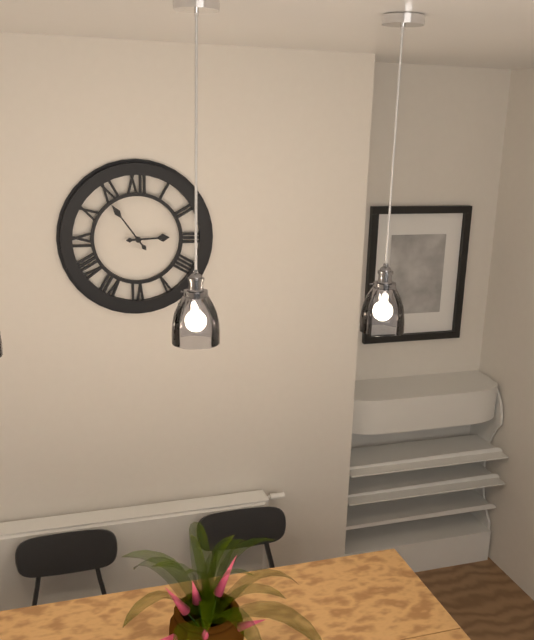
2:54
